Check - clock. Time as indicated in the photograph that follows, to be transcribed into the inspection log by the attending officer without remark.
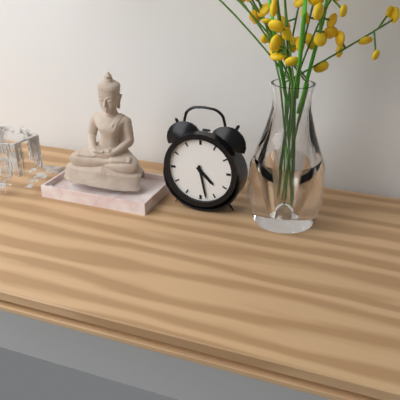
4:28
